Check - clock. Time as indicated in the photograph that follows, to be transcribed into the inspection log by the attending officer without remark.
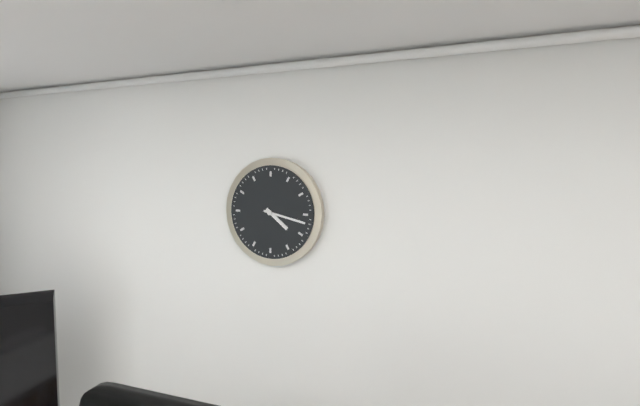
4:17
